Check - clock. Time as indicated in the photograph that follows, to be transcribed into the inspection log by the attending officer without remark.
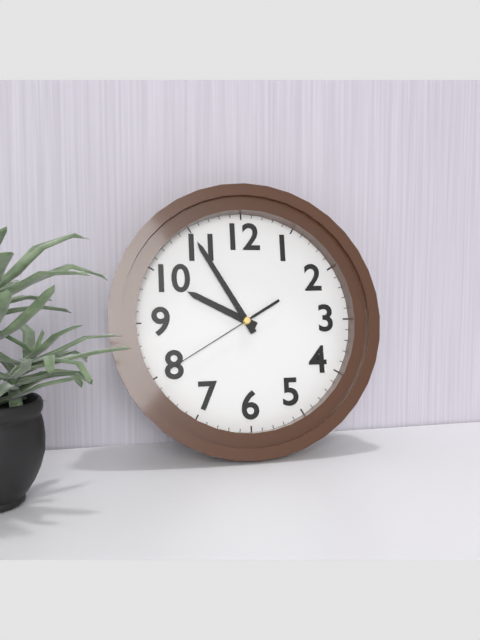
9:55:40
